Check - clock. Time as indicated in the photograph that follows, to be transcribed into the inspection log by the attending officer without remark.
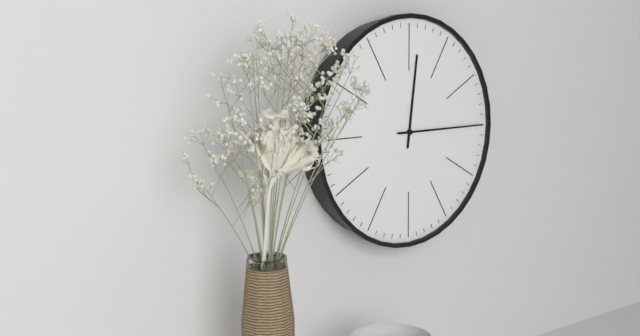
12:15
